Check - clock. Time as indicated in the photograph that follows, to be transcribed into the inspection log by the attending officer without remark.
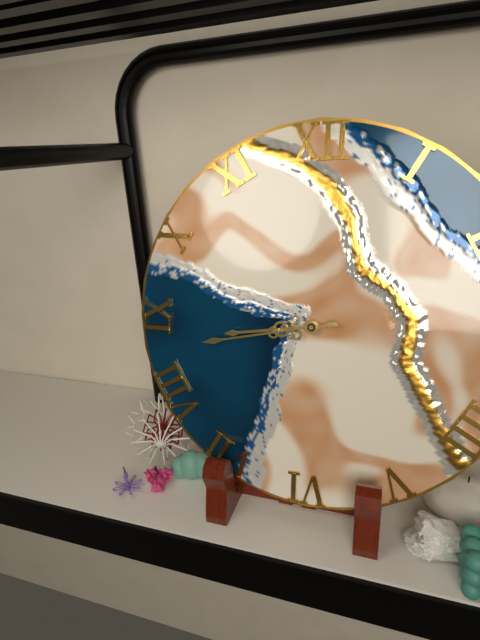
8:43
